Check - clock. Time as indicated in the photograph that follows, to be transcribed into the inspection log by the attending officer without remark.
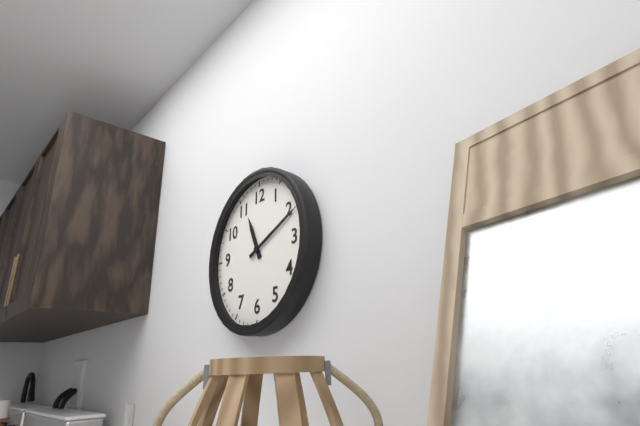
11:11
